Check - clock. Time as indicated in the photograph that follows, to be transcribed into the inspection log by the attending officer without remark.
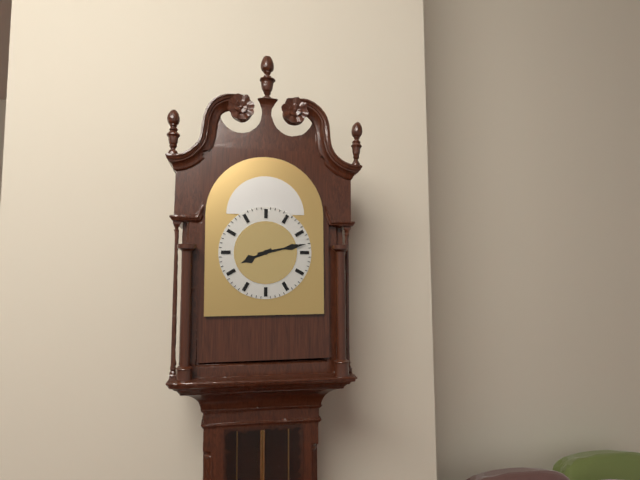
8:13
